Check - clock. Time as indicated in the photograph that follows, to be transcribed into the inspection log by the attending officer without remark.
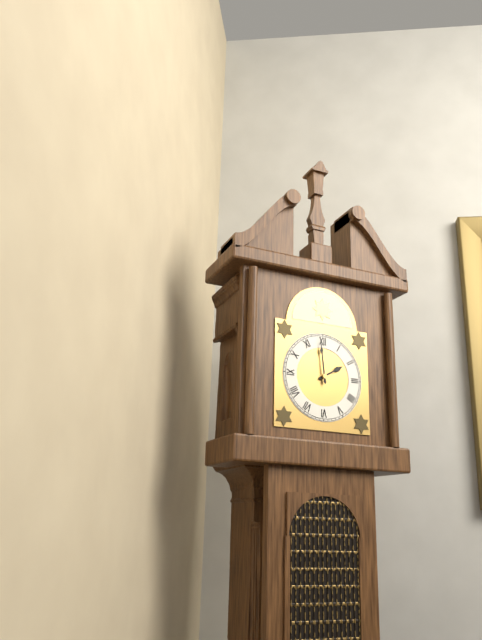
1:59
